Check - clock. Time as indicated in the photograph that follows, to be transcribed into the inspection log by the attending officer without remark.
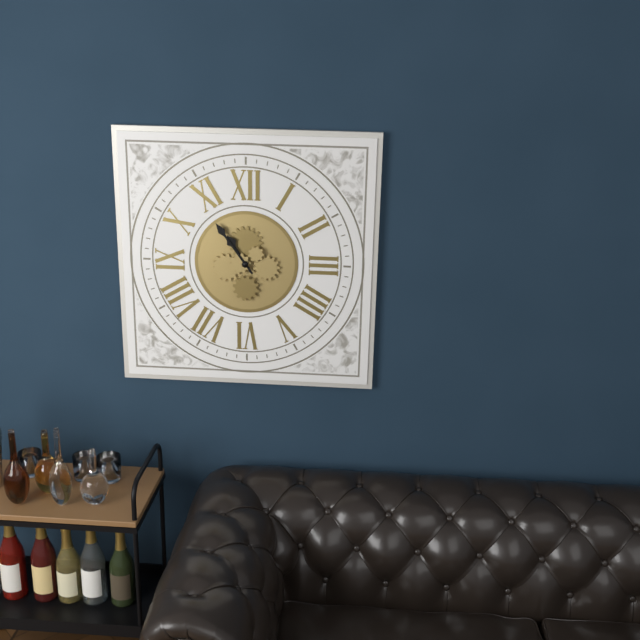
10:54
